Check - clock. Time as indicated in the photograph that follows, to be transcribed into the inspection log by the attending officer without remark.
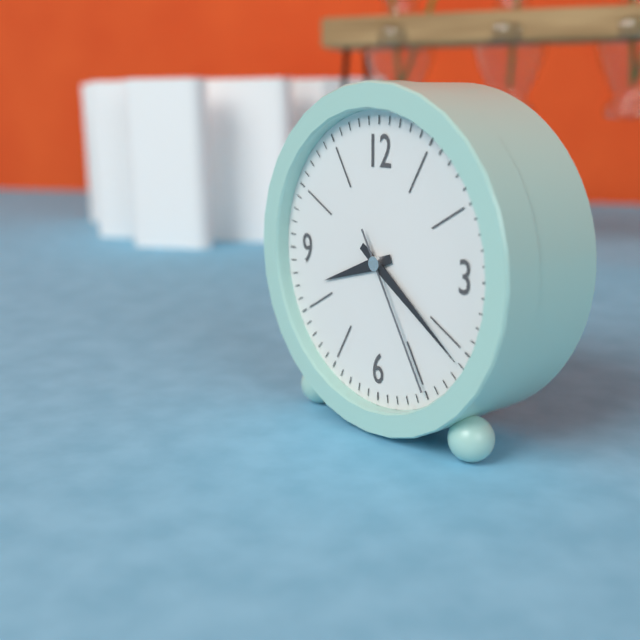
8:21:25
